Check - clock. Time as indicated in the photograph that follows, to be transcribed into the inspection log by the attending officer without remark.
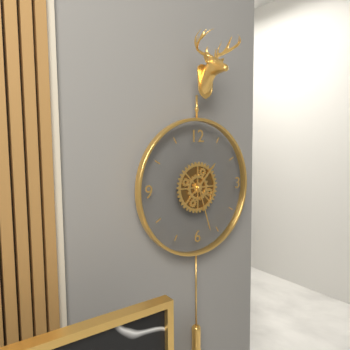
1:27
